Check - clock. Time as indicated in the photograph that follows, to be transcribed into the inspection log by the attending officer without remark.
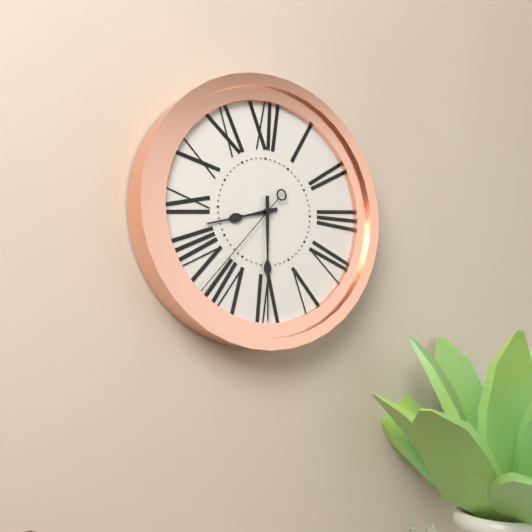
8:30:37
